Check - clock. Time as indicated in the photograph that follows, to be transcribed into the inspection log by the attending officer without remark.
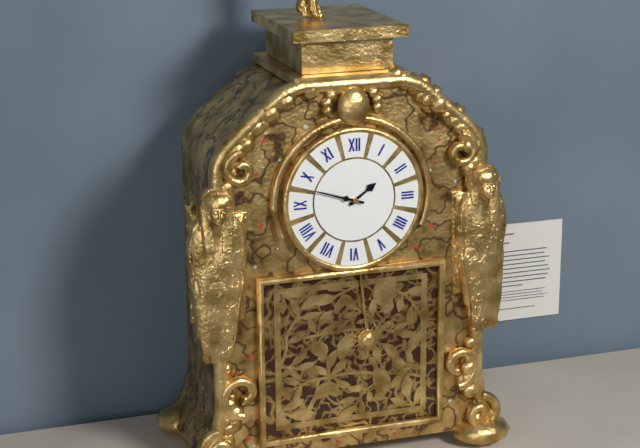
1:48
